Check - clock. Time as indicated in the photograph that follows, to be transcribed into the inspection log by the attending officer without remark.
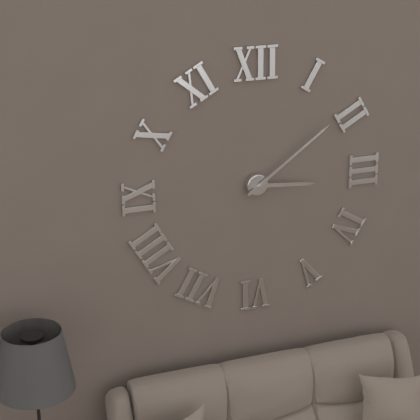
3:09
